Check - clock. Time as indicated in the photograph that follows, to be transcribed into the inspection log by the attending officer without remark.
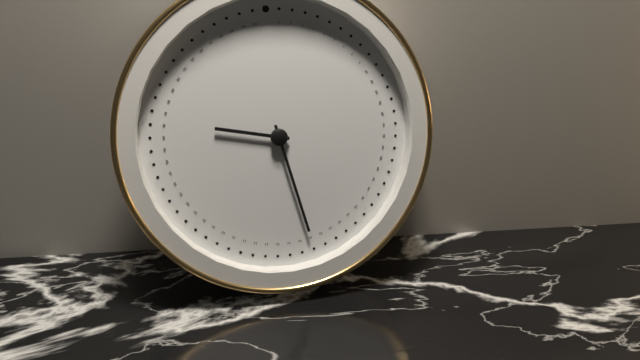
9:28
